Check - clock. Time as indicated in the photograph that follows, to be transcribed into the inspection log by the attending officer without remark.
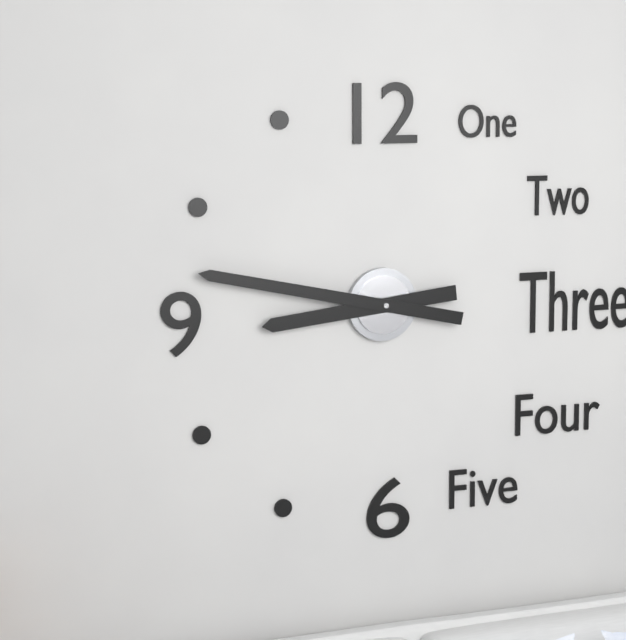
8:47
